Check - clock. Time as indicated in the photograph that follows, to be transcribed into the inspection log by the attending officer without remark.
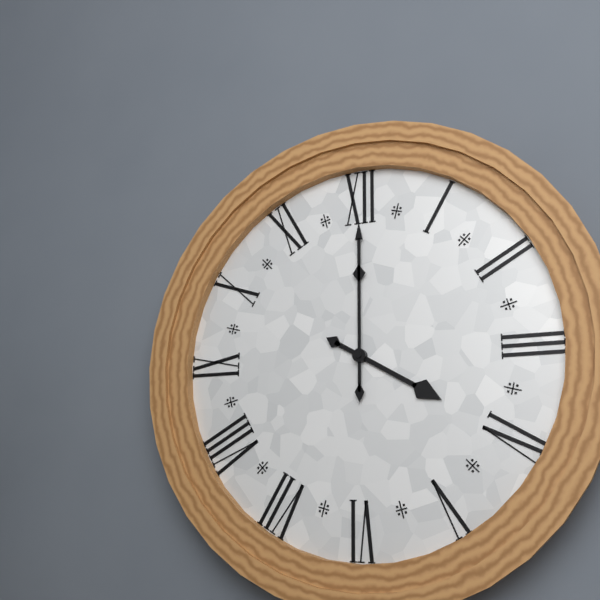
4:00
